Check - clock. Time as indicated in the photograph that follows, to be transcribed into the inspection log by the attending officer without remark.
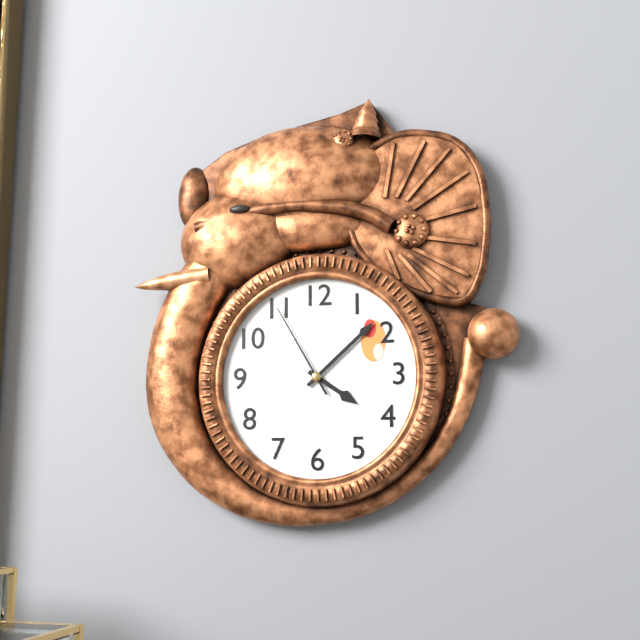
4:08:55
